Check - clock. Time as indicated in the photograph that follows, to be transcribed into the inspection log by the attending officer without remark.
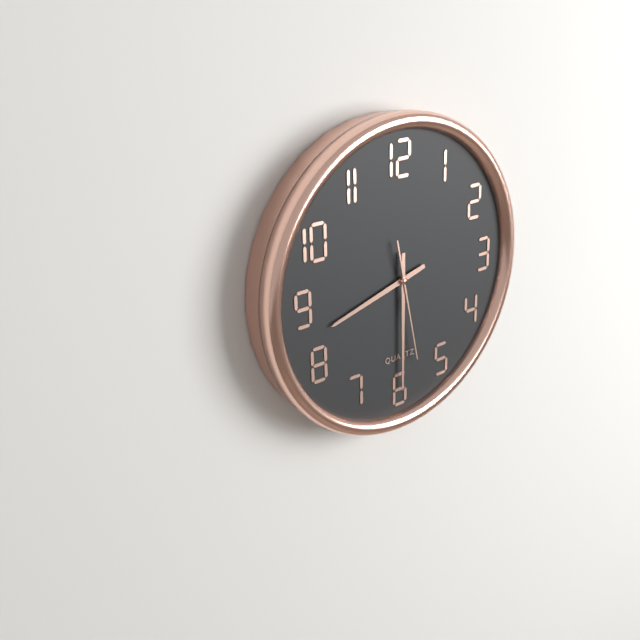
8:30:28
